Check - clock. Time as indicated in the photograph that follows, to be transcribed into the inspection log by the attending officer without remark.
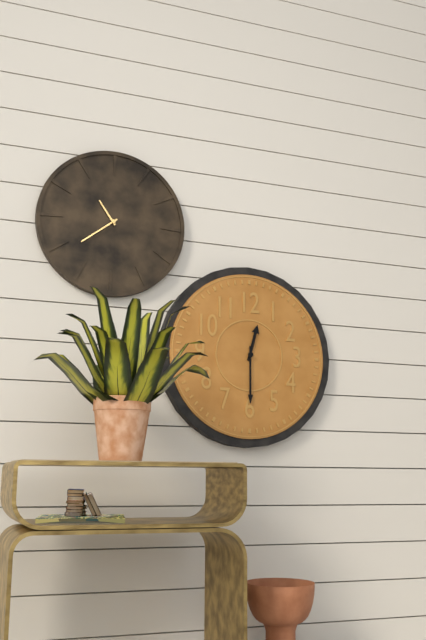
12:30
